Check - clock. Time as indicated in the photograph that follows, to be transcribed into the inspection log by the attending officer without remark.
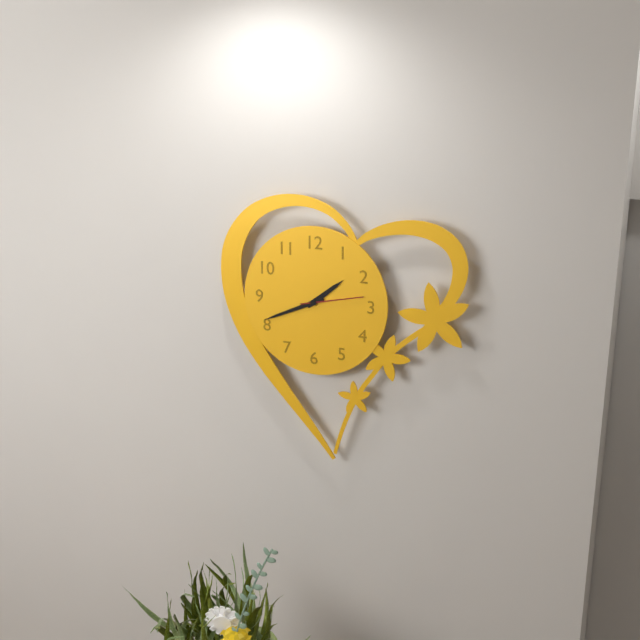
1:41:13
